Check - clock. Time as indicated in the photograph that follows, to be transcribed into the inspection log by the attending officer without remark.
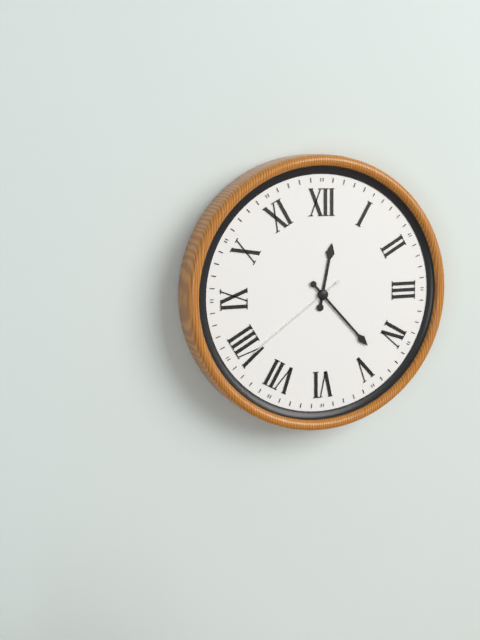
12:23:39
